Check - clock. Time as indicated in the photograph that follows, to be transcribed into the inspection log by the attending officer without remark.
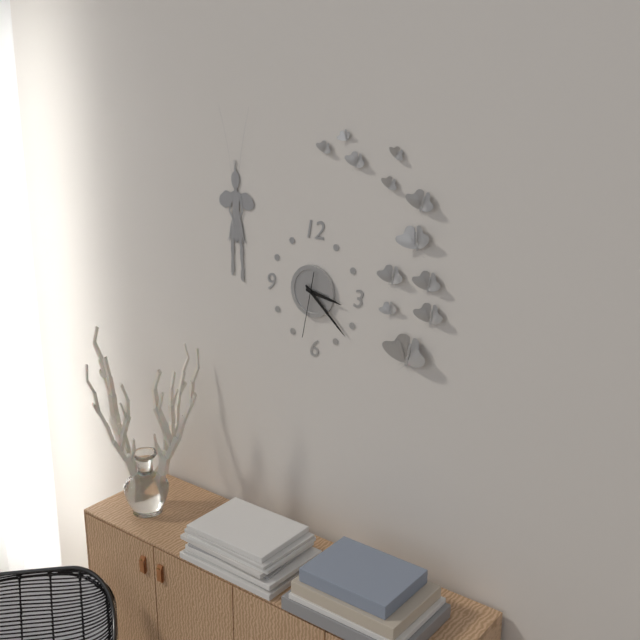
3:22:32
